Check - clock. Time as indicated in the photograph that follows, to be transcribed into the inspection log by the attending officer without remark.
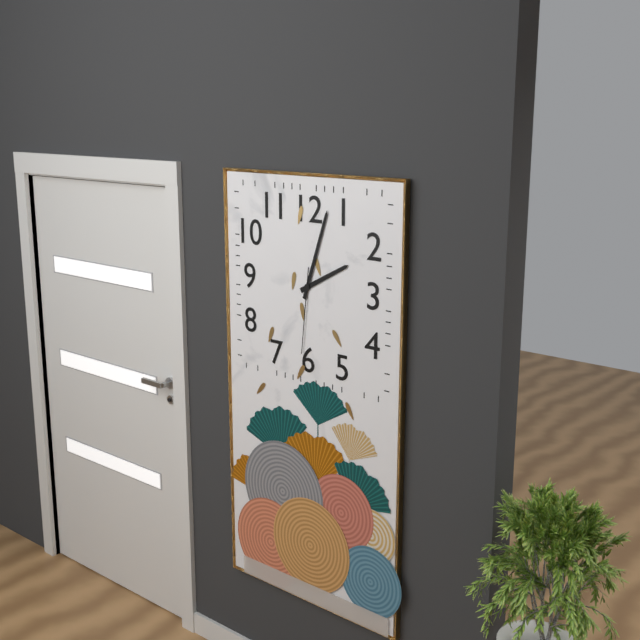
2:03:31
